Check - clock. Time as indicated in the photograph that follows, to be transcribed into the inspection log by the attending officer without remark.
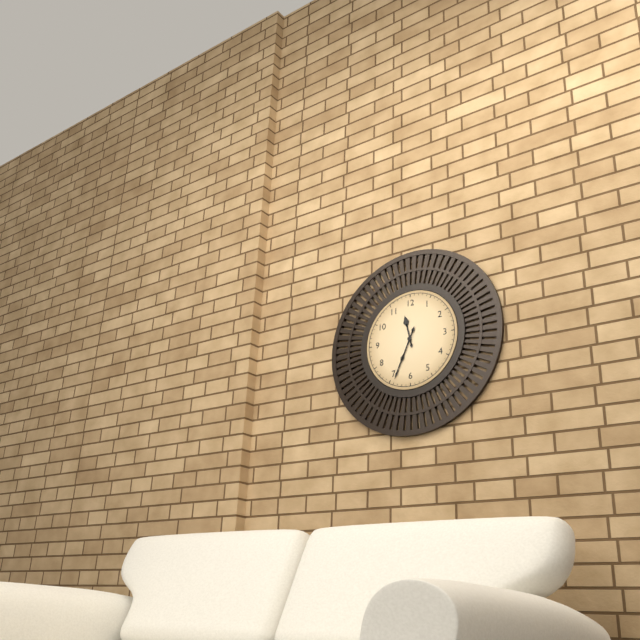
11:34
